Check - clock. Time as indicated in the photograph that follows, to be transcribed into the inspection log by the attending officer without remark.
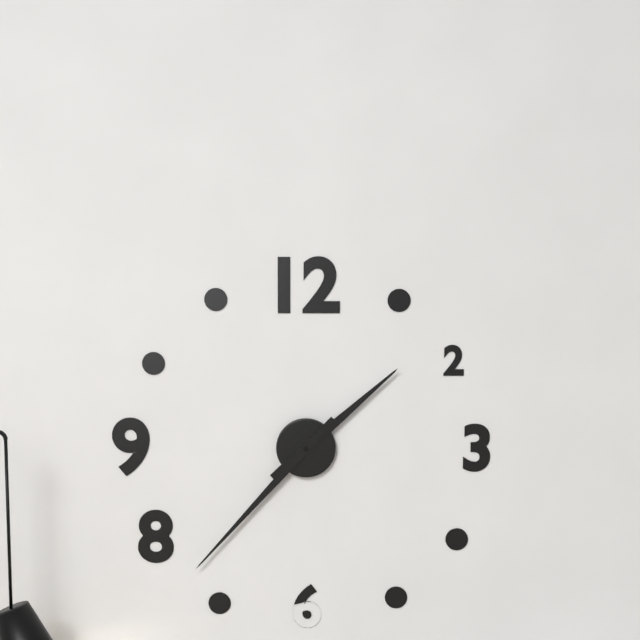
1:37
